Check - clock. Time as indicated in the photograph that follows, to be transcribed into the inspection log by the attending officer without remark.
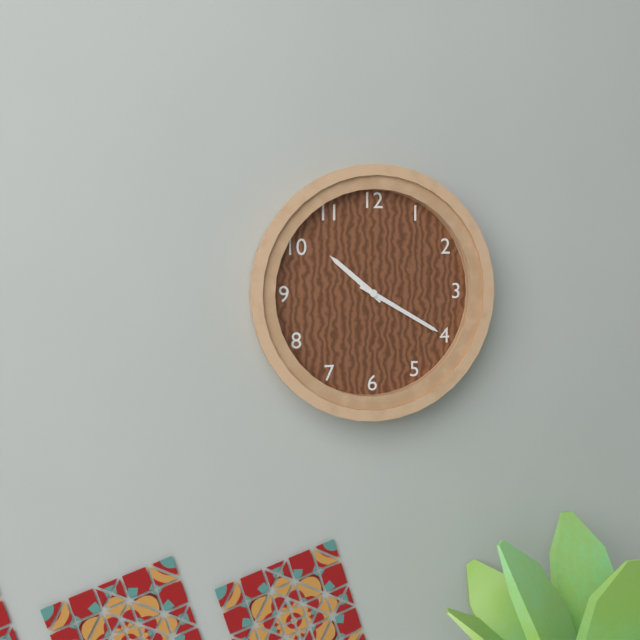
10:20
